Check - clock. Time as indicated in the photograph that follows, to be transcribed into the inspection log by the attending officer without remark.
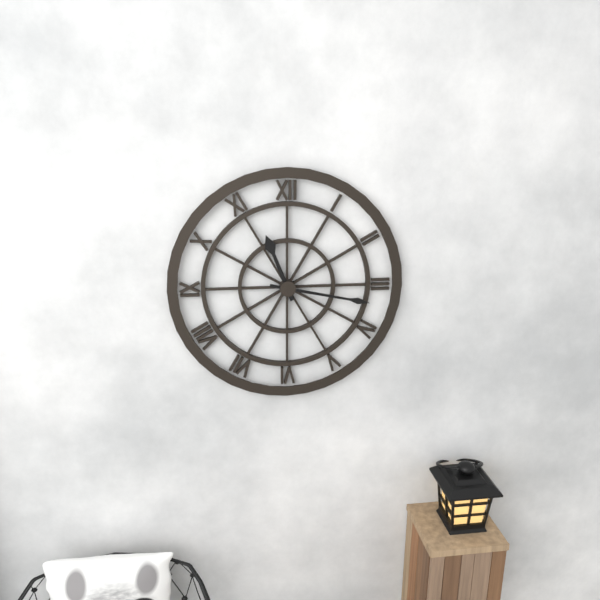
11:17
